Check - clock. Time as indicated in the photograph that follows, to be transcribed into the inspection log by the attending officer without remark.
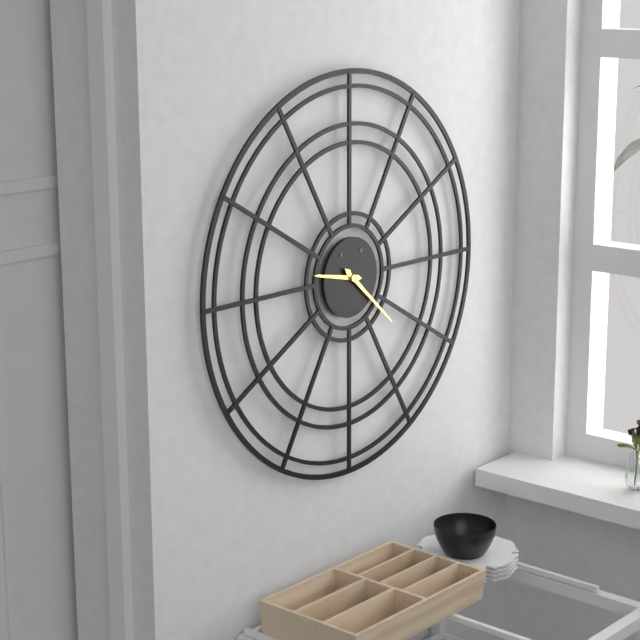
9:22
